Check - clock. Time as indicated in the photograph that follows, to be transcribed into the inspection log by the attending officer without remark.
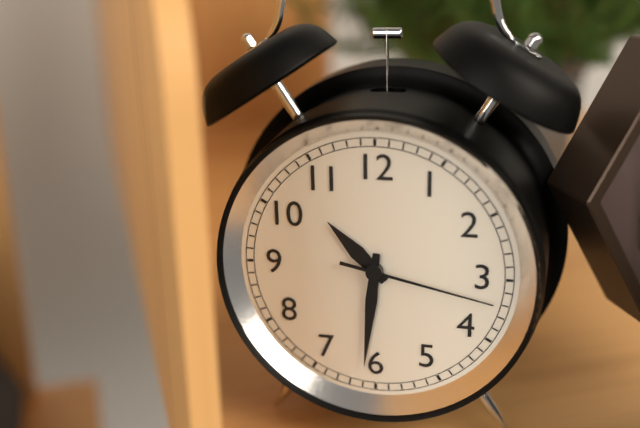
10:31:17
